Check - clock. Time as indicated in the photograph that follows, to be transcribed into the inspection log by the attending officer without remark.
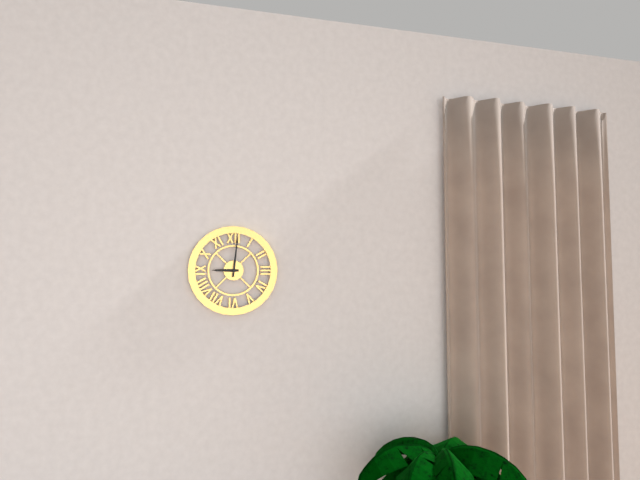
9:01
